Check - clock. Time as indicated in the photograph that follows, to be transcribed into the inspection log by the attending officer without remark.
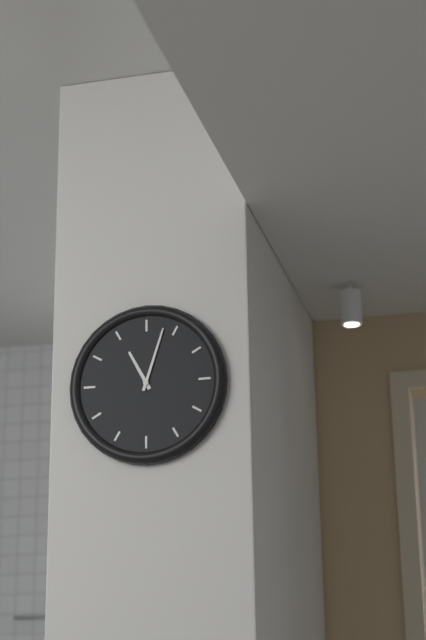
11:03
